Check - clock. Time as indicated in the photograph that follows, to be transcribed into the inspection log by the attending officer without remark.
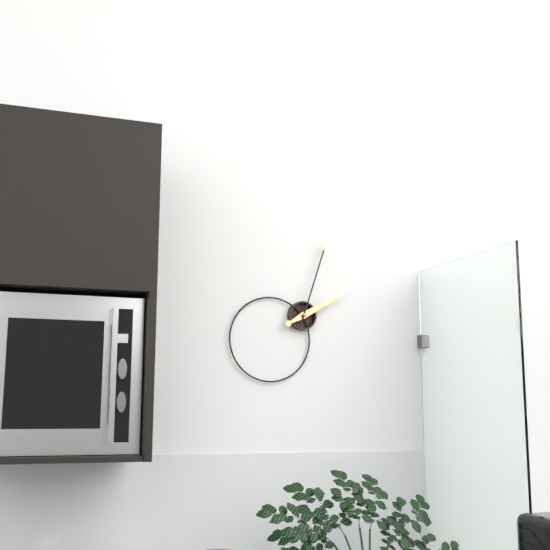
2:03
